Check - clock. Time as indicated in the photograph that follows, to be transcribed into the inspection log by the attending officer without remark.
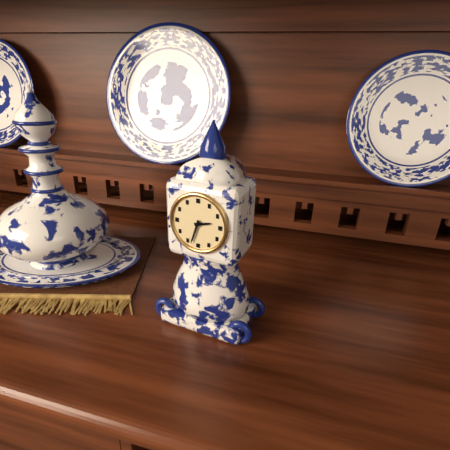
2:33
